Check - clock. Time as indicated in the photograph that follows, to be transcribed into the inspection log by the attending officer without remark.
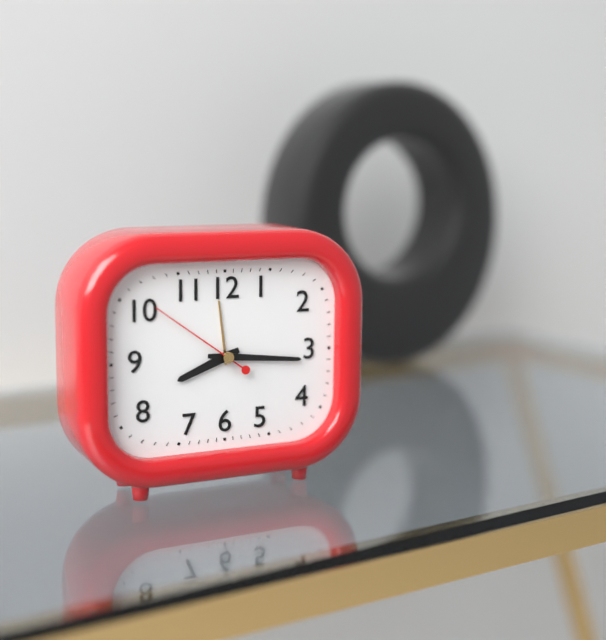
8:16:51
